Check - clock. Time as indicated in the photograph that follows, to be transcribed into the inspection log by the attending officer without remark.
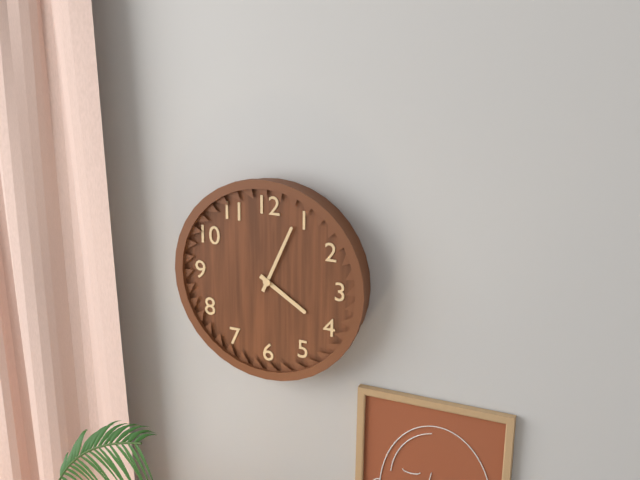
4:04
